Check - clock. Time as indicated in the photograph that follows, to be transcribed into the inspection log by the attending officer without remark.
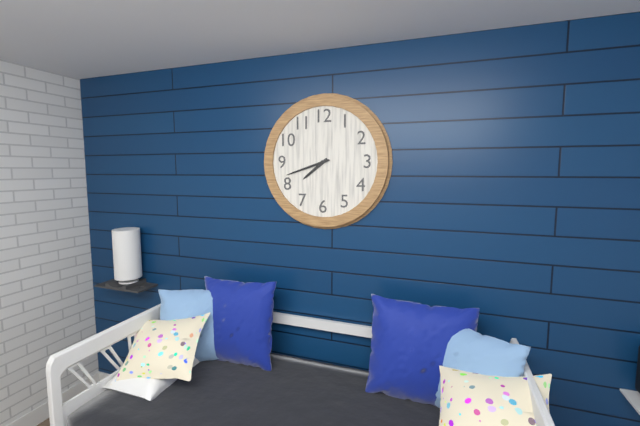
7:42
